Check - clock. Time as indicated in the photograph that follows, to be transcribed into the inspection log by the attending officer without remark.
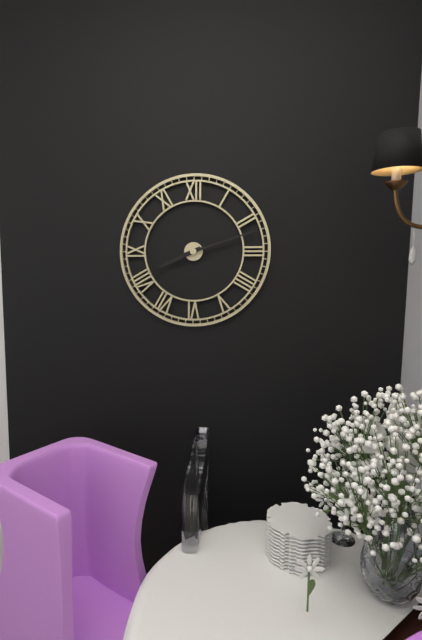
8:12
